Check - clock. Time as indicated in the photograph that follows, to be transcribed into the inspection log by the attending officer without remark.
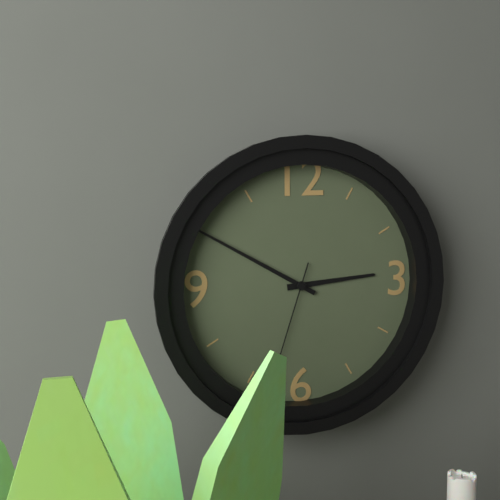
2:50
